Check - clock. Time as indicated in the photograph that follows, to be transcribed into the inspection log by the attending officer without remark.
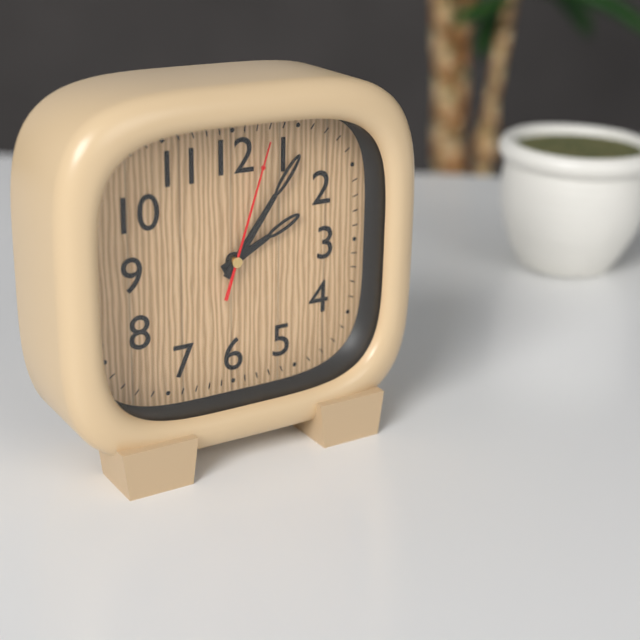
2:06:03
